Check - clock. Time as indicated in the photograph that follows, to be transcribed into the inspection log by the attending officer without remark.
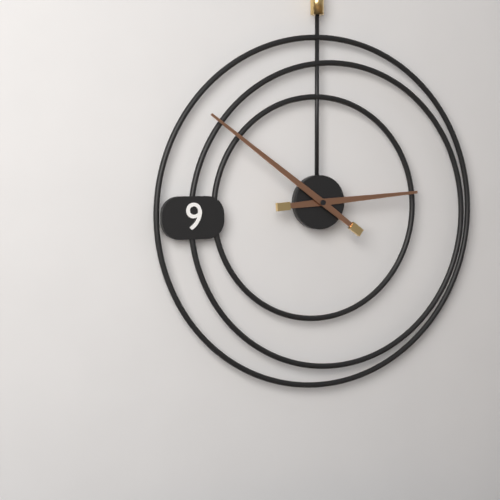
2:51
